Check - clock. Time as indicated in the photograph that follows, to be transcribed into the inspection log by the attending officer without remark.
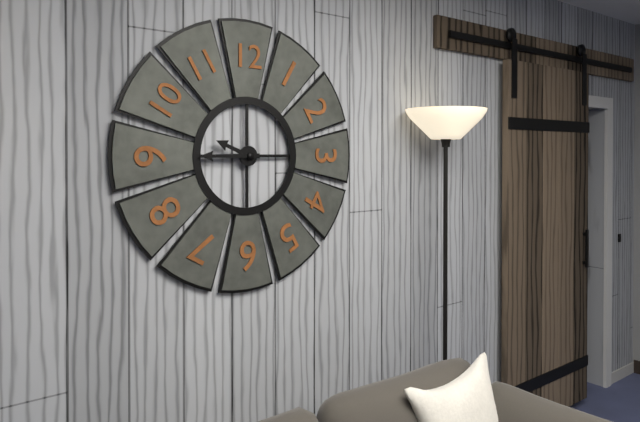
9:45
